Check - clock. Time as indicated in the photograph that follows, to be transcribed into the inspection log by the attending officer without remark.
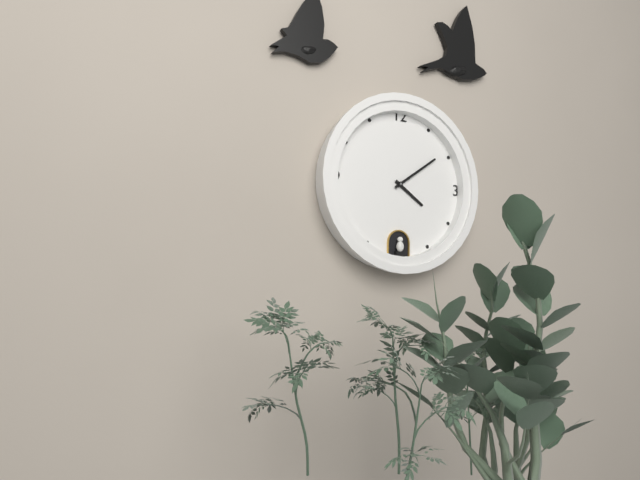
4:09
